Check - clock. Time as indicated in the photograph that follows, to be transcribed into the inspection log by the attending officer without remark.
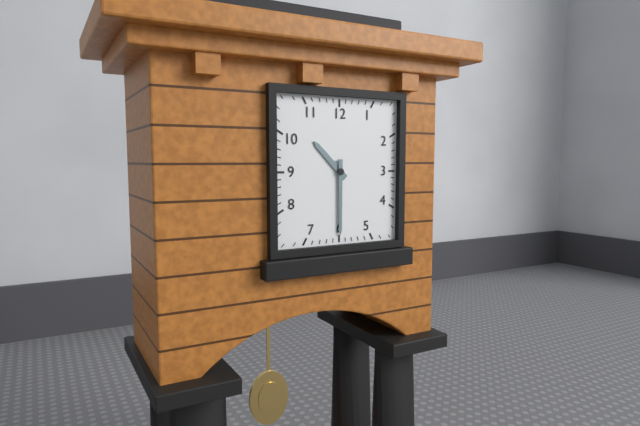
10:30
